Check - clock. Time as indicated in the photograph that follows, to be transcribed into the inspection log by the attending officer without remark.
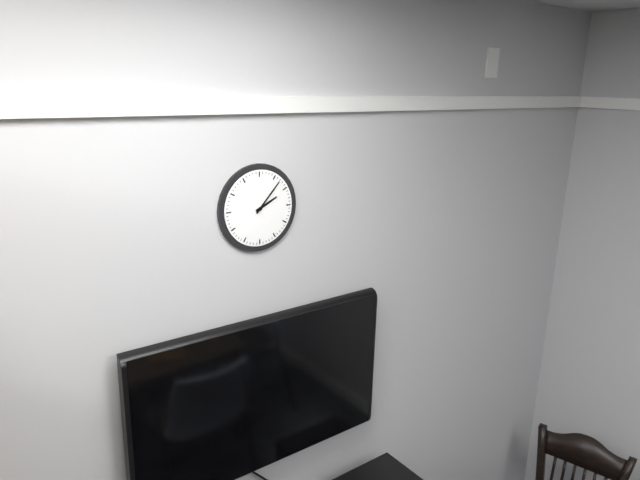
2:07
